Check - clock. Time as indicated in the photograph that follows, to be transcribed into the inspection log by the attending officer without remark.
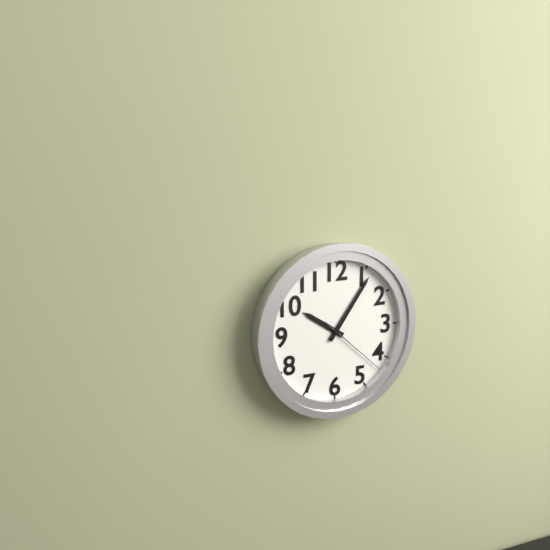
10:06:22
